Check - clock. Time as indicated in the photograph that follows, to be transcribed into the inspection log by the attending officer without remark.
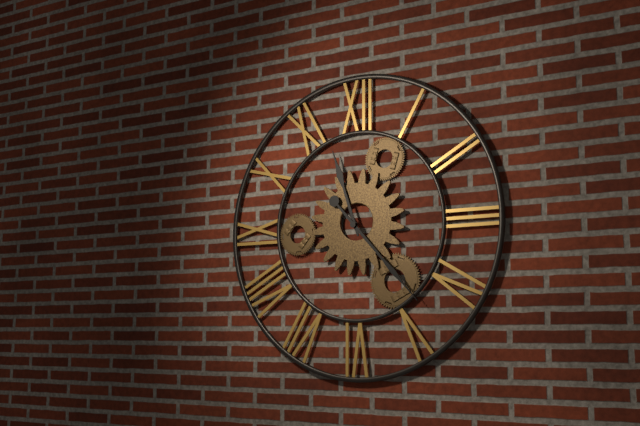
11:23
